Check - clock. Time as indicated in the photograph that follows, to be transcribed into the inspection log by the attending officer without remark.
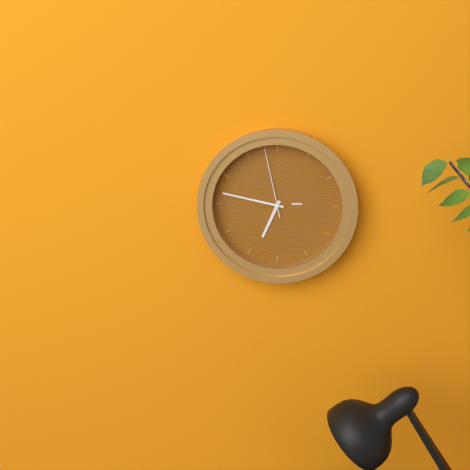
6:47:58
